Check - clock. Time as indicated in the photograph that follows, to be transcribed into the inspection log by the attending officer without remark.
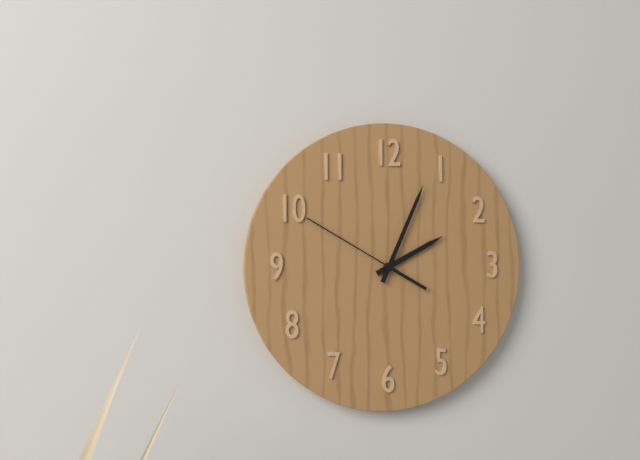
2:04:50
